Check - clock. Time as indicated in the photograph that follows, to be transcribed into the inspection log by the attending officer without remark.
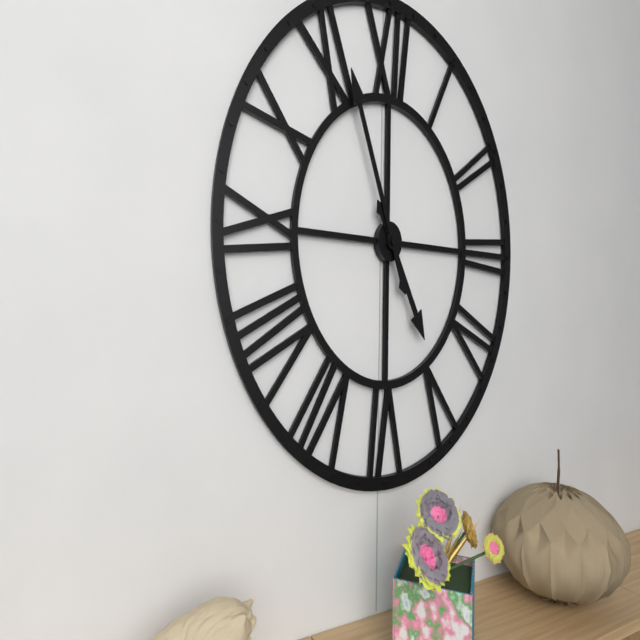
4:56
